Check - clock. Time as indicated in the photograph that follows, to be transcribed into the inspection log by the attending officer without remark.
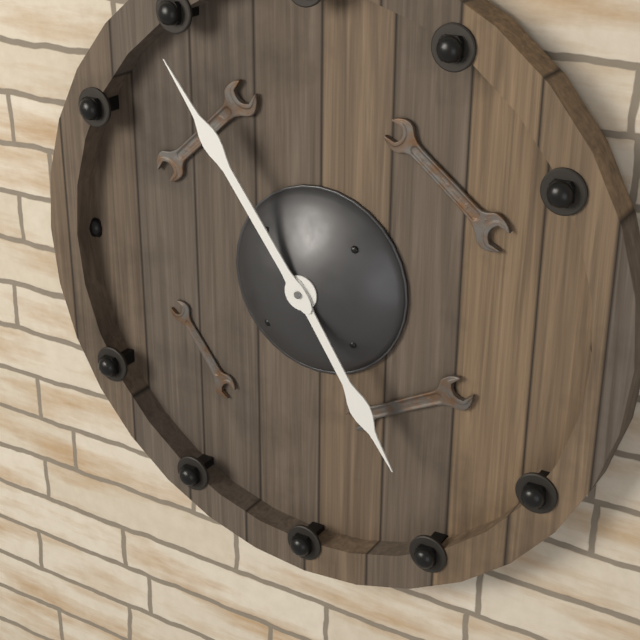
4:54
